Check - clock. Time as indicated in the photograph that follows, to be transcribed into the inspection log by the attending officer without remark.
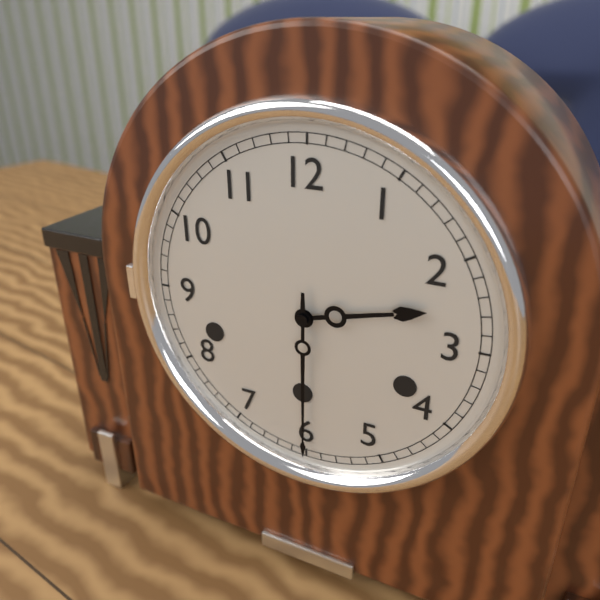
2:30
